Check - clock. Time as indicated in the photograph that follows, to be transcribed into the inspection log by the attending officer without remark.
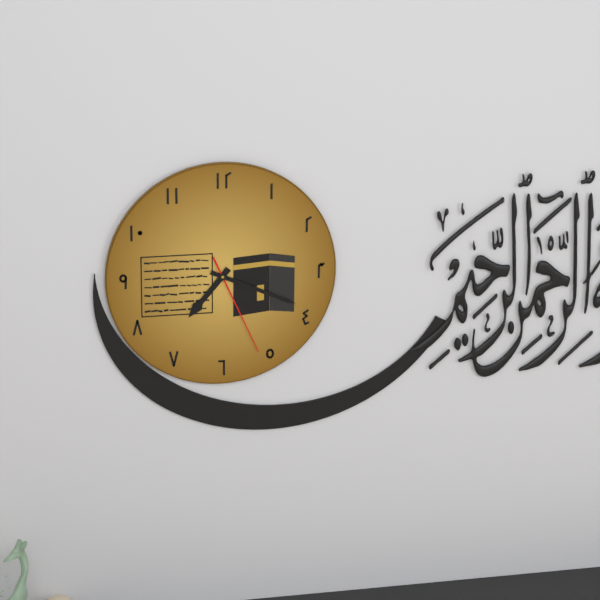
7:19:26
